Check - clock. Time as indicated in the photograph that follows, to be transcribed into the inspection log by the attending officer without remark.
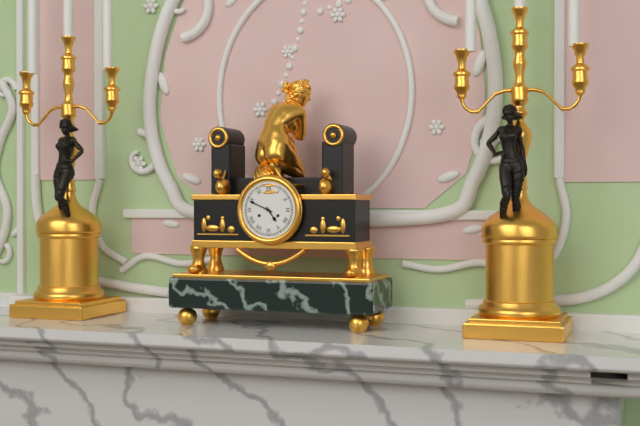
4:49
